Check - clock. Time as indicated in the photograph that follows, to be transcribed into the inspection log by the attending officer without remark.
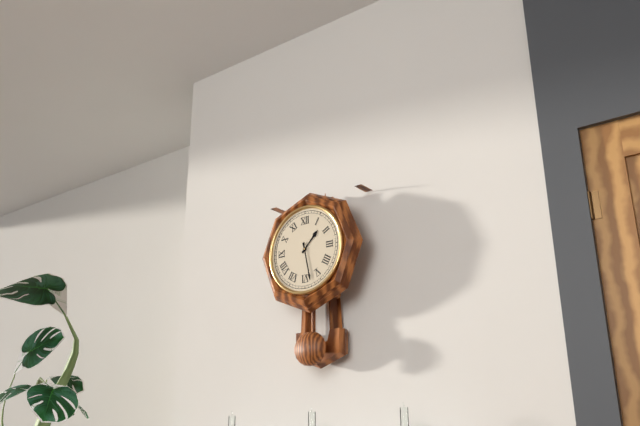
1:28
